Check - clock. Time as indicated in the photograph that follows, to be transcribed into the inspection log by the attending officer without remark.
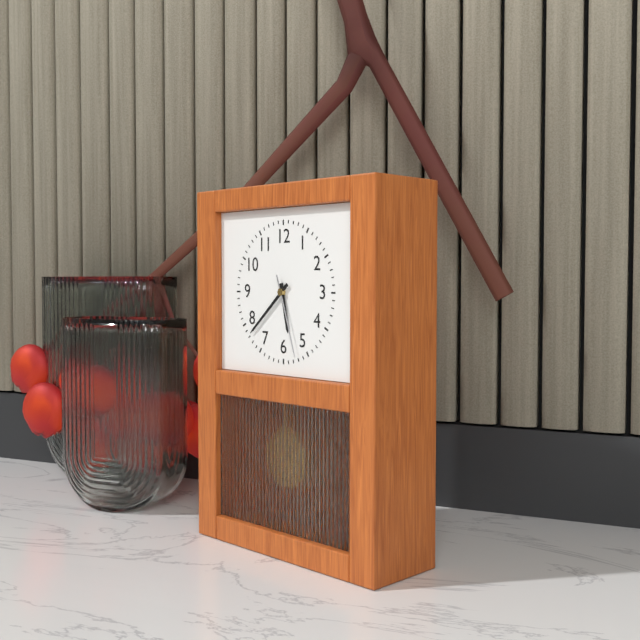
5:38:27
